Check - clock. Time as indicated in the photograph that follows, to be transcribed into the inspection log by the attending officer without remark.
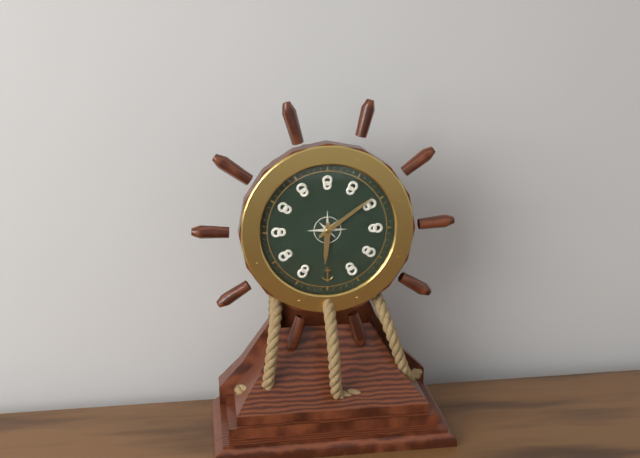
6:09
